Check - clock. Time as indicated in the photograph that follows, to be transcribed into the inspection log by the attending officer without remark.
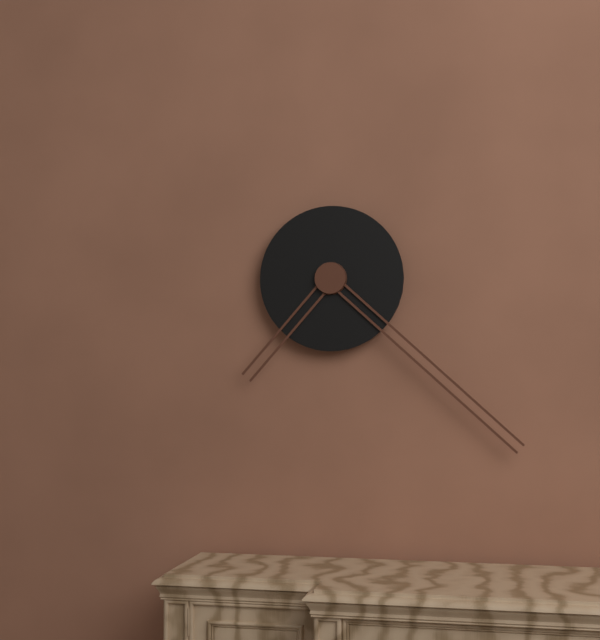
7:22
